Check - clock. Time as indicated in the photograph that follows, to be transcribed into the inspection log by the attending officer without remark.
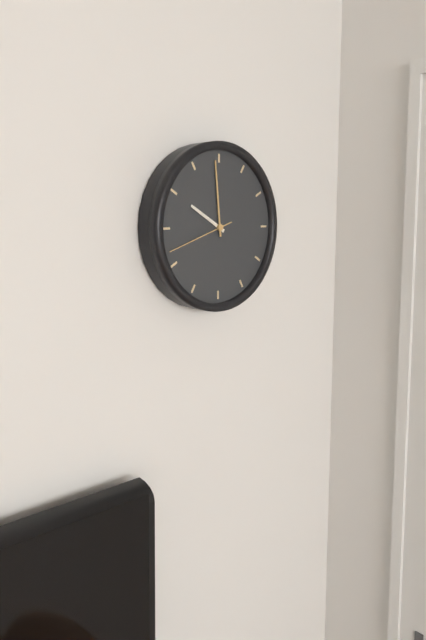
9:59:42
